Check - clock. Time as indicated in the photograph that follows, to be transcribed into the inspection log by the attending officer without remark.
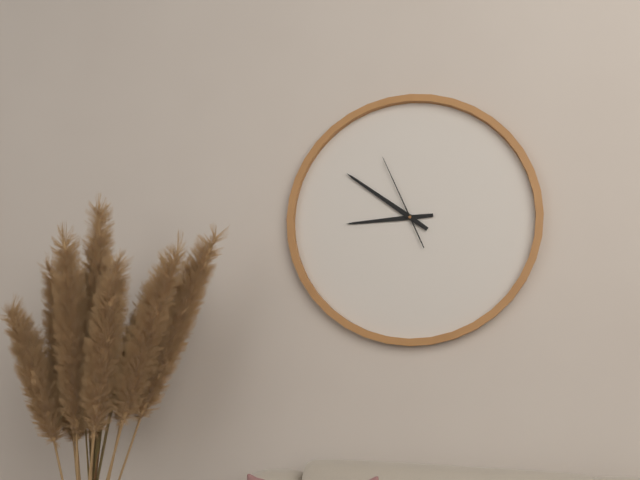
8:51:56
